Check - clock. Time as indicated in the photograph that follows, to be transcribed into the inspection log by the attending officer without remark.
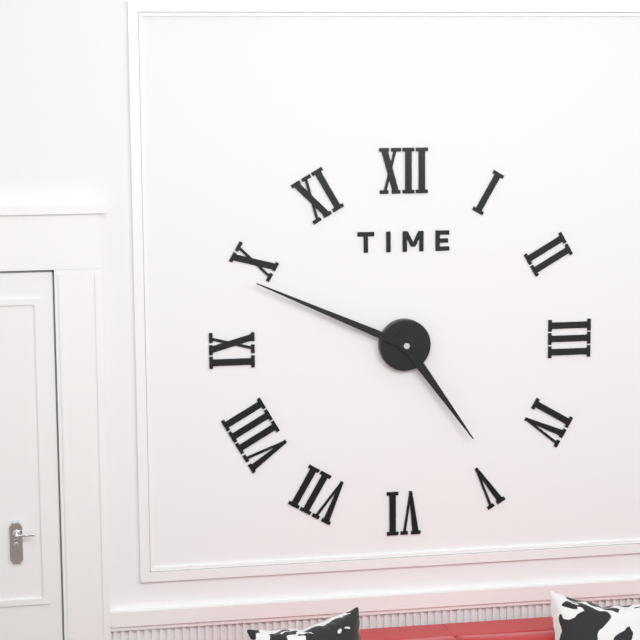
4:49
